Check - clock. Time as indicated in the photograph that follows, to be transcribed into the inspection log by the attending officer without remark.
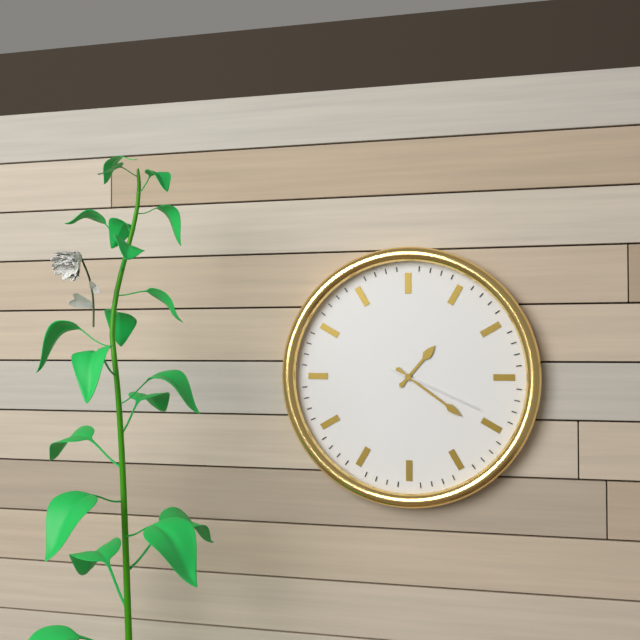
1:21:19
